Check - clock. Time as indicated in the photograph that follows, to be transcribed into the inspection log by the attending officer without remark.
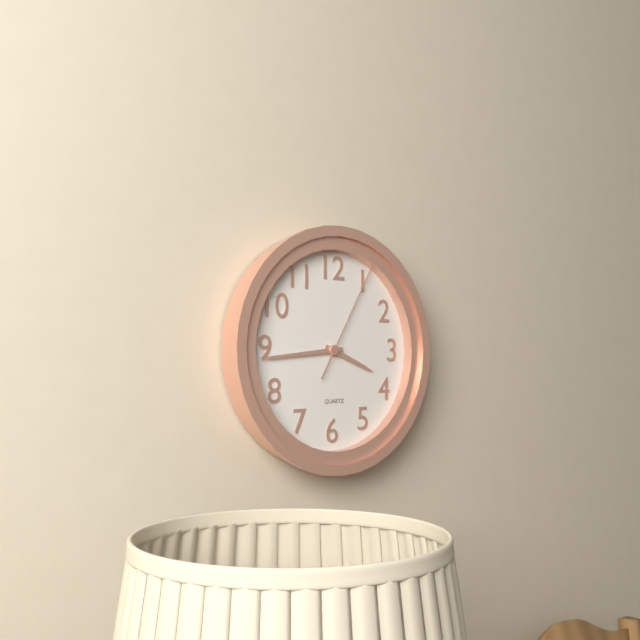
3:44:05
